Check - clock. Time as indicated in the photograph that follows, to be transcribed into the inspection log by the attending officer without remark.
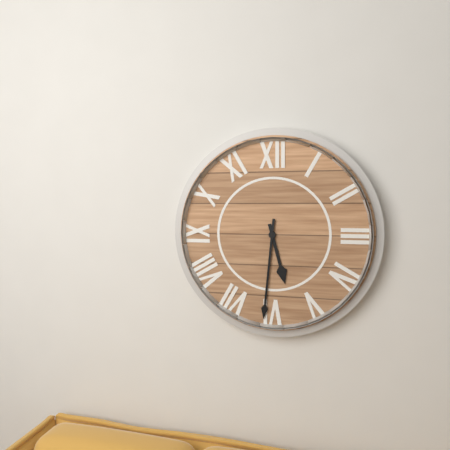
5:31
